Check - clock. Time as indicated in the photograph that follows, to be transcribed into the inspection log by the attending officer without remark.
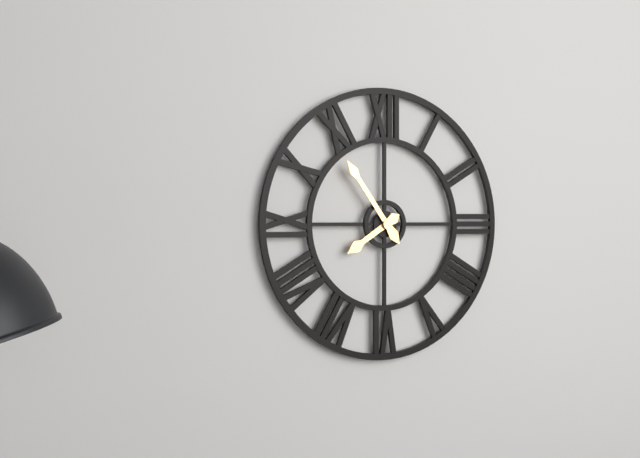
7:54
